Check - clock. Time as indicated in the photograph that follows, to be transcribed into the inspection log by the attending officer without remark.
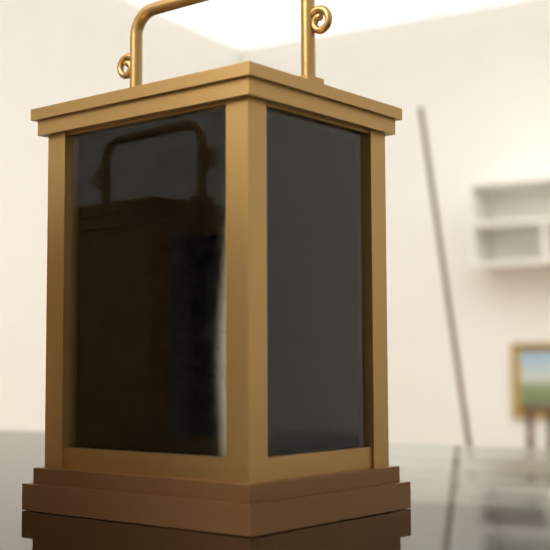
12:37
